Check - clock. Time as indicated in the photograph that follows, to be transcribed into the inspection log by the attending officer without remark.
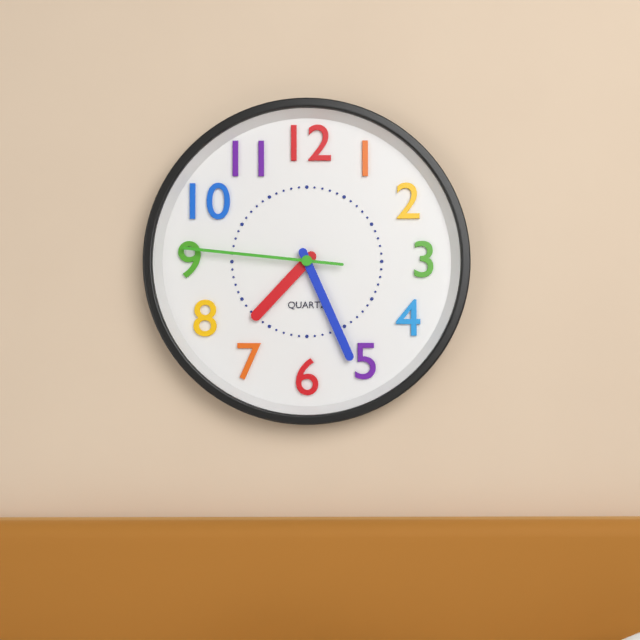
7:26:46
